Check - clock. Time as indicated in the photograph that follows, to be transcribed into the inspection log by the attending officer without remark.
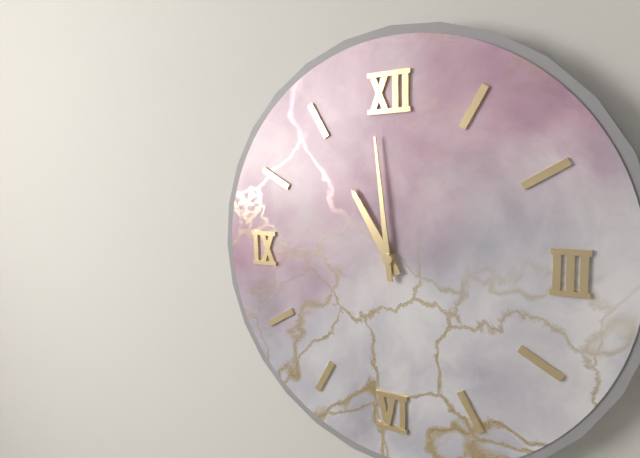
10:59
